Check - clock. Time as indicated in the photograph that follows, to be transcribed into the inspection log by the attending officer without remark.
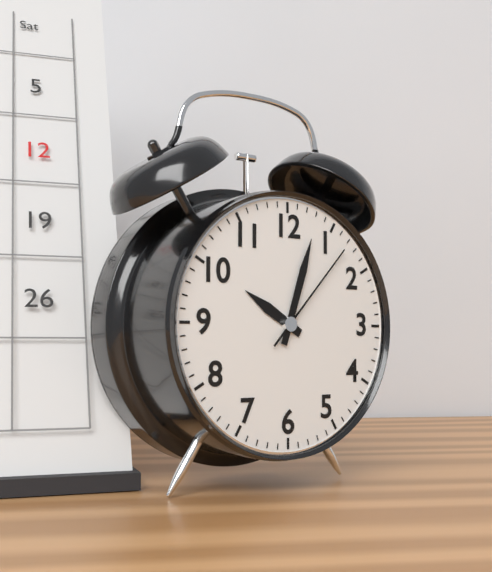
10:03:07
